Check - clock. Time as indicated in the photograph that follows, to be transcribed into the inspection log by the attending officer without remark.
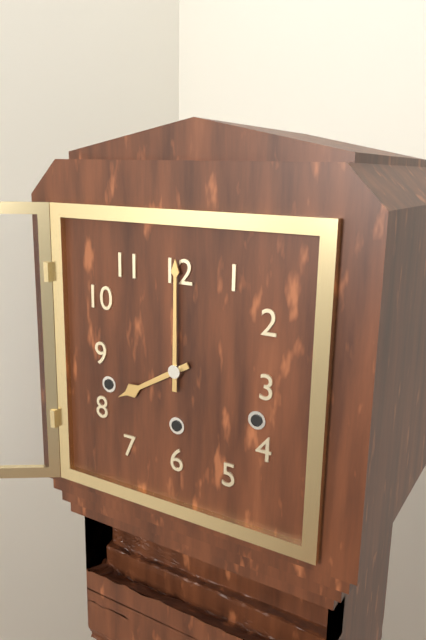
8:00
